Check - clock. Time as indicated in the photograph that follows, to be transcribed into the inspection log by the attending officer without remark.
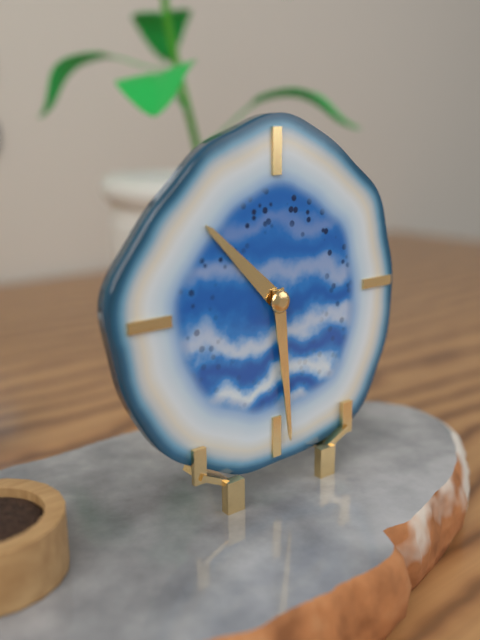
10:29
